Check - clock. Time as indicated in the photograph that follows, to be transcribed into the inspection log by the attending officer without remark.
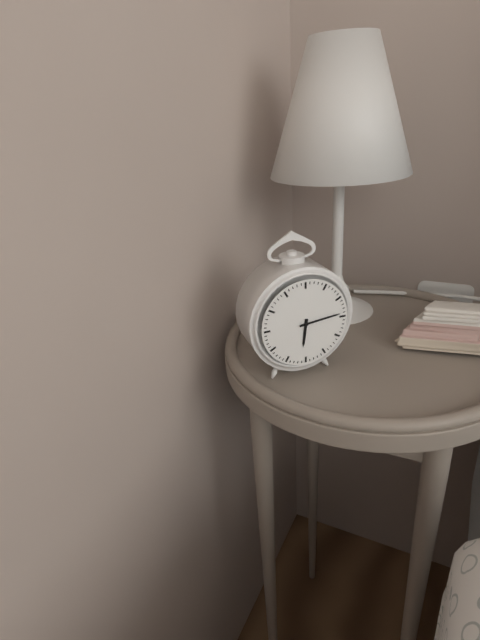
6:14
